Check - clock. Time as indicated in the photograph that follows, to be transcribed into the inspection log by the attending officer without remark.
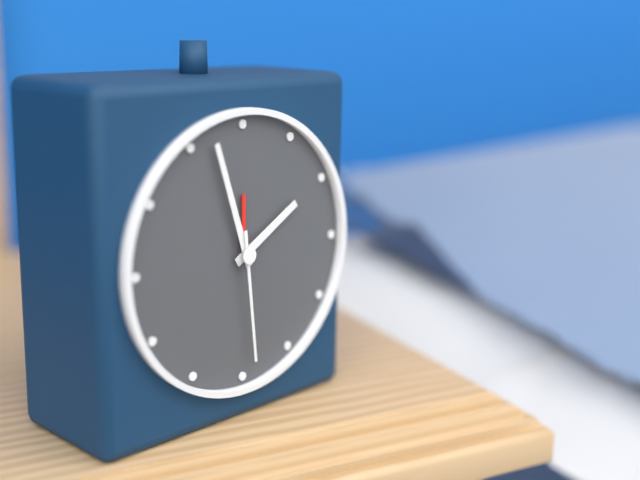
1:57:29
